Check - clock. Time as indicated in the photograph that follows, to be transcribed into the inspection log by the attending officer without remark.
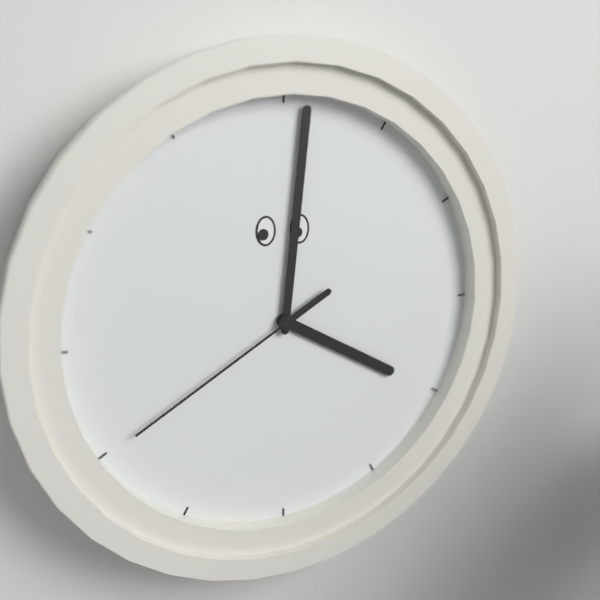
4:01:40
